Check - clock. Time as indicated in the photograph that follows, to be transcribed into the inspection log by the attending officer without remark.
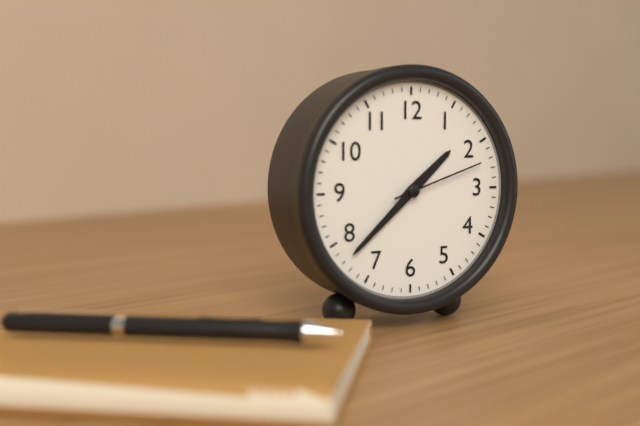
1:38:12
